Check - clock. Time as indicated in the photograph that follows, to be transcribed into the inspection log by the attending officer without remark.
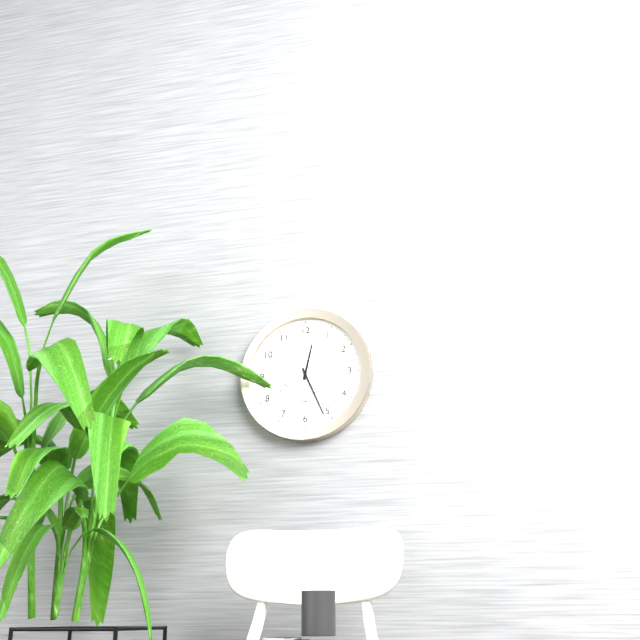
12:26:40
